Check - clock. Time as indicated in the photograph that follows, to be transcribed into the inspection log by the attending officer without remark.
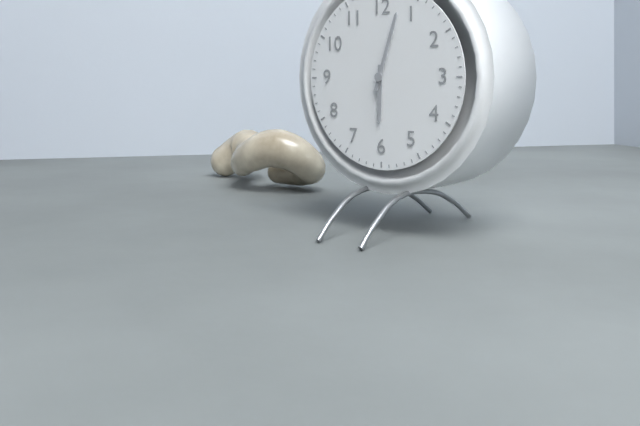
6:03
